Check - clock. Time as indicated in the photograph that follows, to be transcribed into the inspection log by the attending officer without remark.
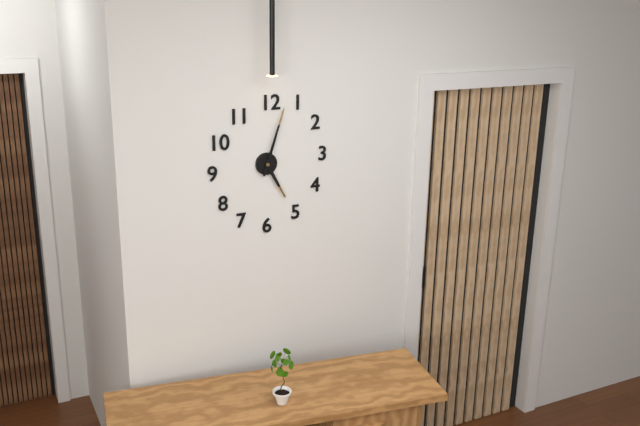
5:03
